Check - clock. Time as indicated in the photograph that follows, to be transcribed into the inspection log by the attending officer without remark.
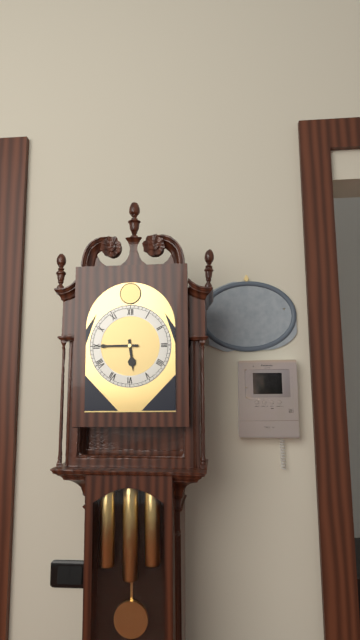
5:45
